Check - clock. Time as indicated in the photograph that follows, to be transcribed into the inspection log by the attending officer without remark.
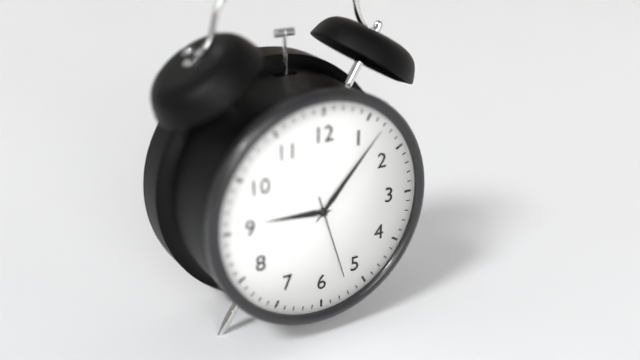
9:07:27
